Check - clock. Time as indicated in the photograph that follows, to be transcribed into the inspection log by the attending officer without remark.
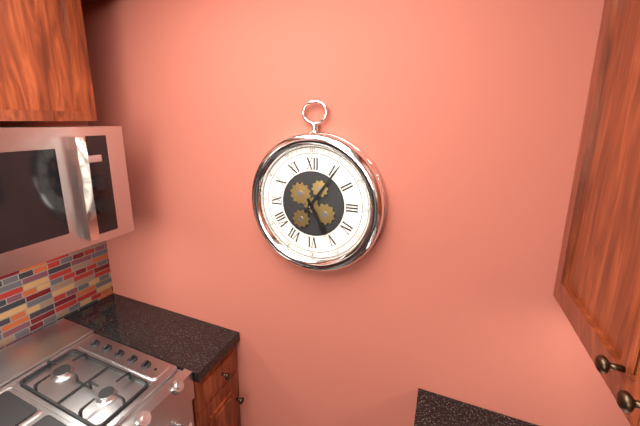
5:06
